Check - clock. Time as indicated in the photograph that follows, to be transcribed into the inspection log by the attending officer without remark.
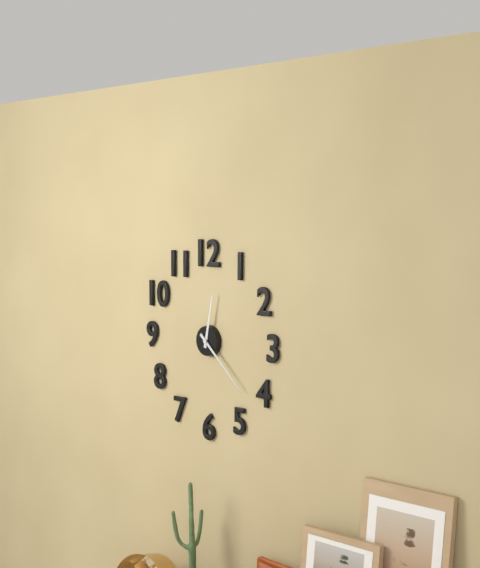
12:22
